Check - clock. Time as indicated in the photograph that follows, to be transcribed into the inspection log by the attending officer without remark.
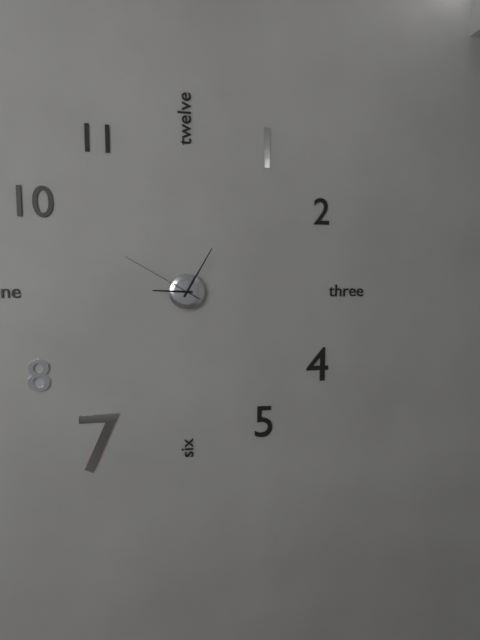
9:05:50
